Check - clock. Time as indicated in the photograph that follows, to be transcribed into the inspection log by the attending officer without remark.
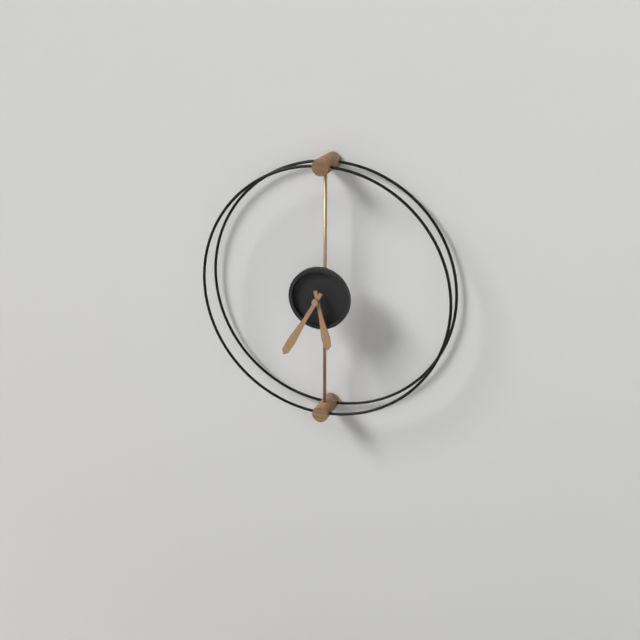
5:35
